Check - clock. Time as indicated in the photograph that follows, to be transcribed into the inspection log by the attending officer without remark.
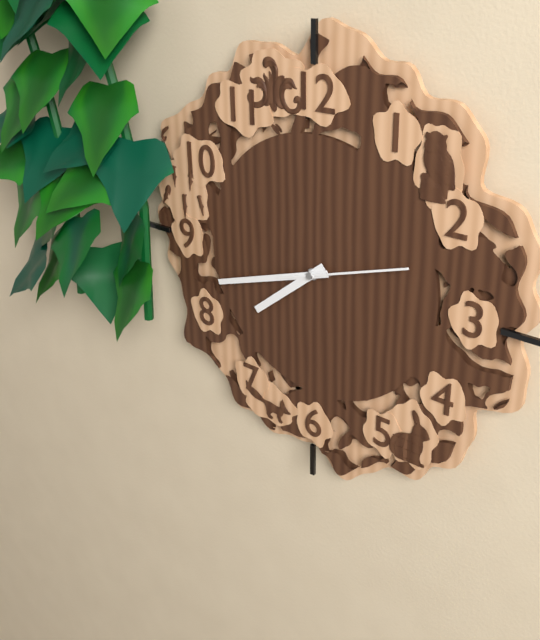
7:42:12
